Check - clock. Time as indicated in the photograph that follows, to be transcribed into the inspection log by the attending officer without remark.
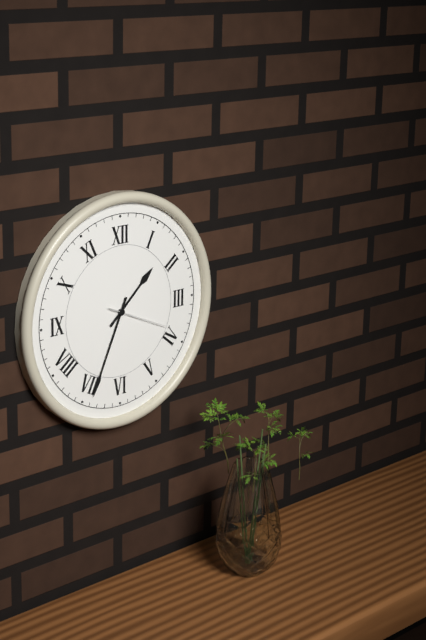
1:34:19
